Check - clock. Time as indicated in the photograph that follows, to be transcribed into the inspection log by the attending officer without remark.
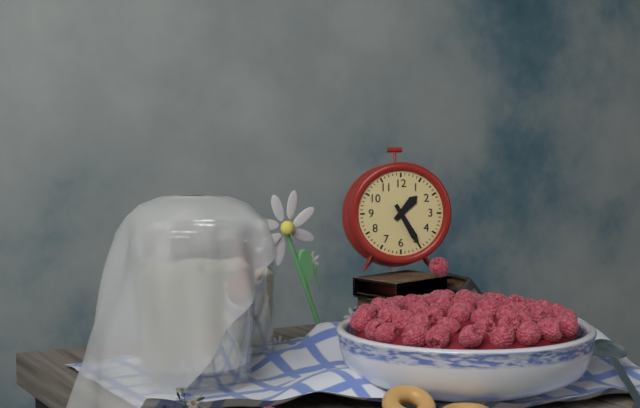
1:25
